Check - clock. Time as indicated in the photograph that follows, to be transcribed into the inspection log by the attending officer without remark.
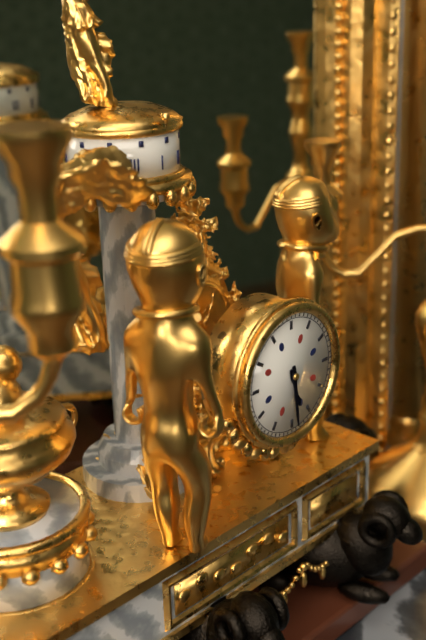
5:29
